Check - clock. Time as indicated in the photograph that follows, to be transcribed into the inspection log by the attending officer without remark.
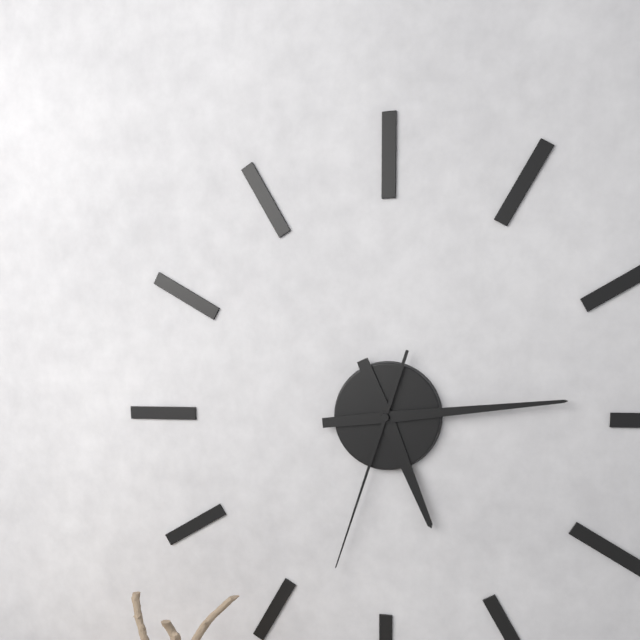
5:14:33
